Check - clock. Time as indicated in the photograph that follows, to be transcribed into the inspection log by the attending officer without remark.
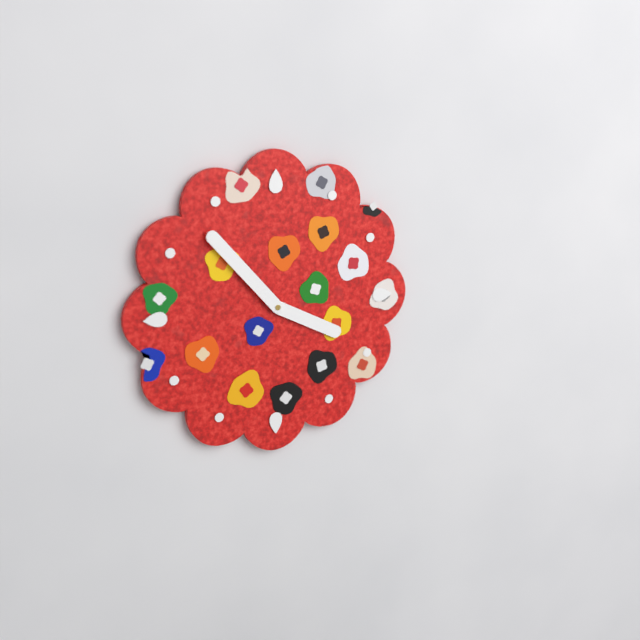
3:53
